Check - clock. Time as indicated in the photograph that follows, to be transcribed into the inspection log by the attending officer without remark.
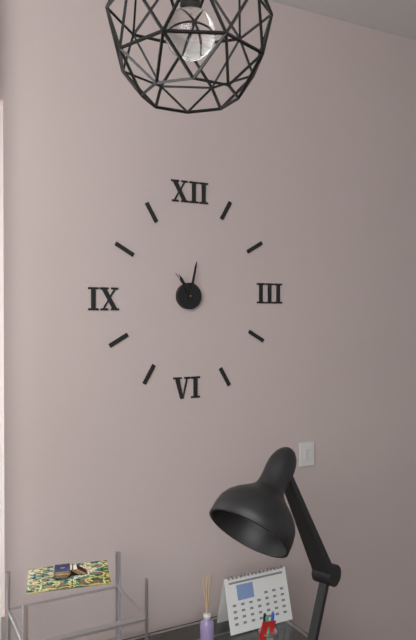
11:02
